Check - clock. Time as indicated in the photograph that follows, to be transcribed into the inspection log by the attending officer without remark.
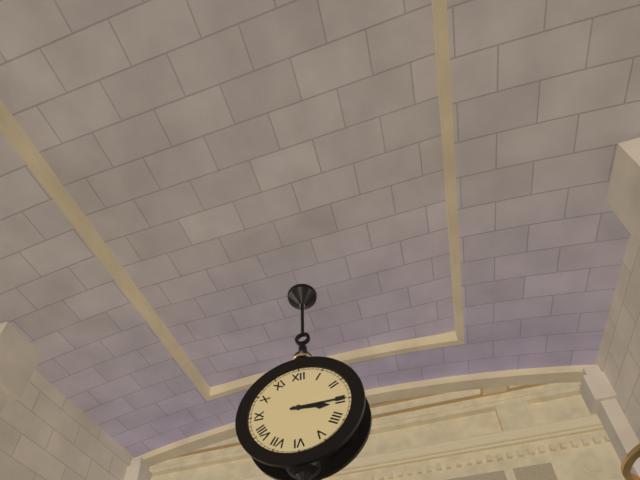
3:15
